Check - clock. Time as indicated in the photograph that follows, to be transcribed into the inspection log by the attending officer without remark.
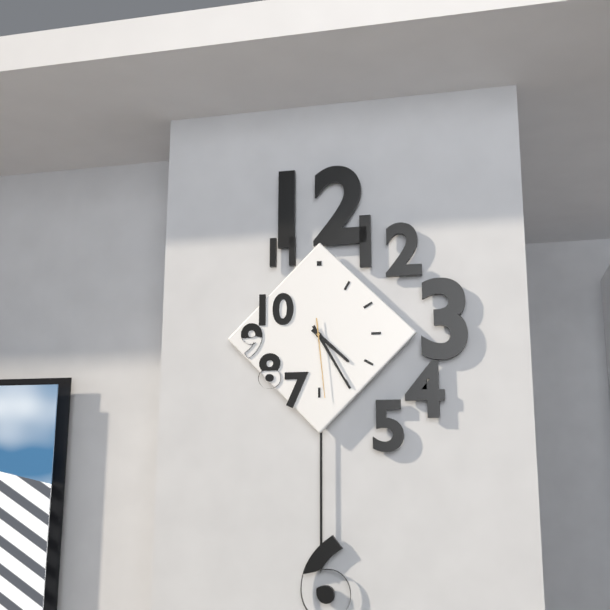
4:25:29
